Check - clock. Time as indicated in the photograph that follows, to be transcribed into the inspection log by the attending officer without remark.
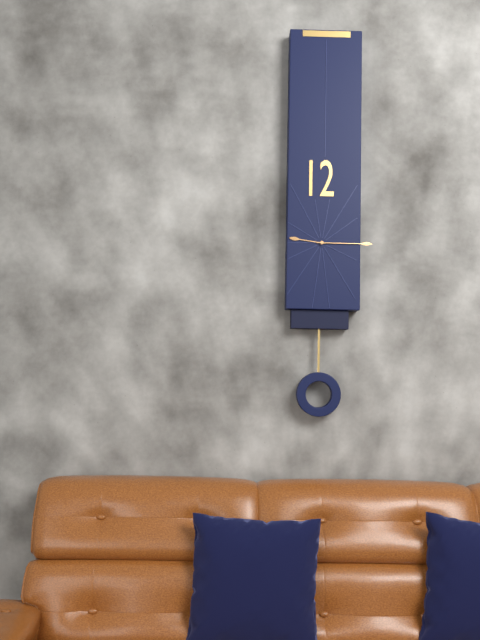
9:15
